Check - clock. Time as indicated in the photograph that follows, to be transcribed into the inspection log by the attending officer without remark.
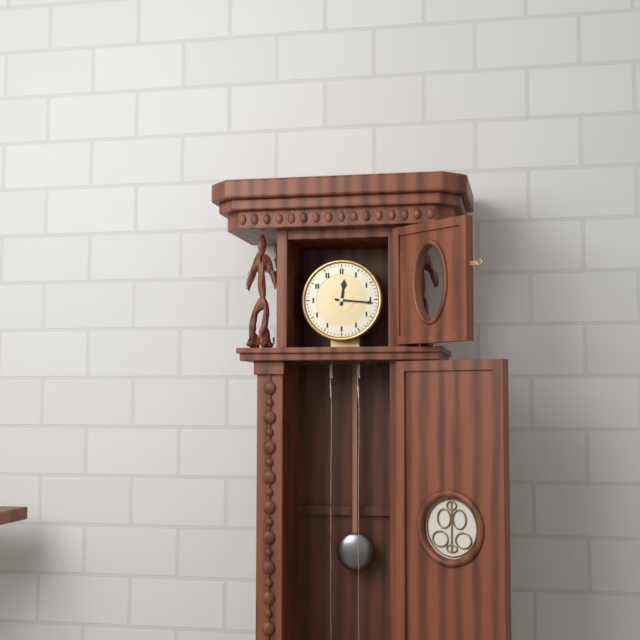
12:16
